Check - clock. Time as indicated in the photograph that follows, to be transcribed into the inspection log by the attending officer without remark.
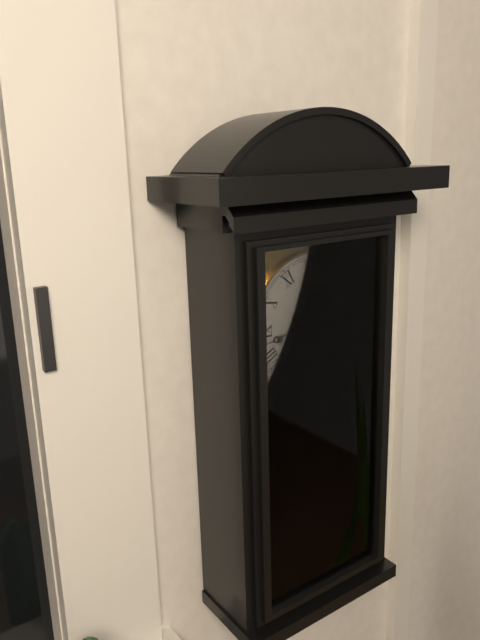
2:43
